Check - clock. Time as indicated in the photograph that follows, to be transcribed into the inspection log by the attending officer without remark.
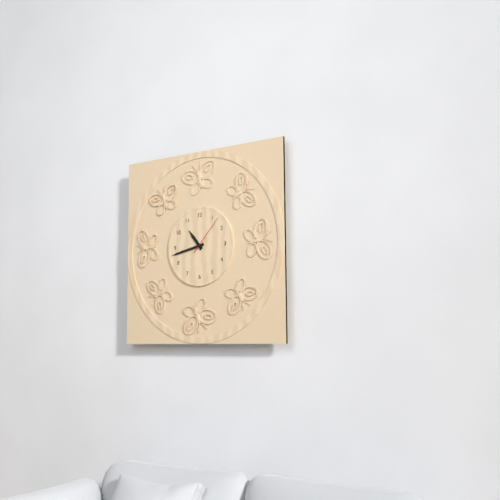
10:43
